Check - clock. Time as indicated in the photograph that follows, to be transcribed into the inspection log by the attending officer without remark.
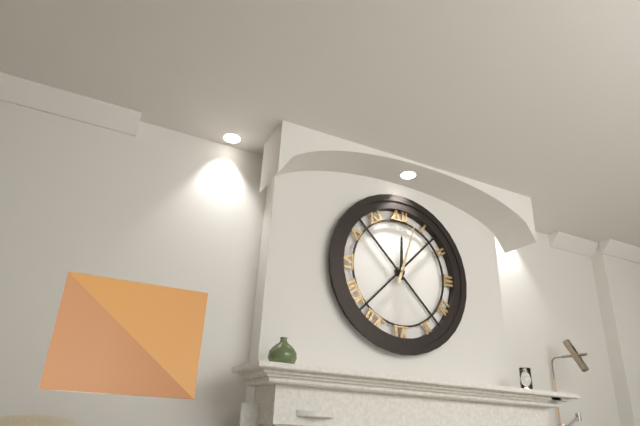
12:03
